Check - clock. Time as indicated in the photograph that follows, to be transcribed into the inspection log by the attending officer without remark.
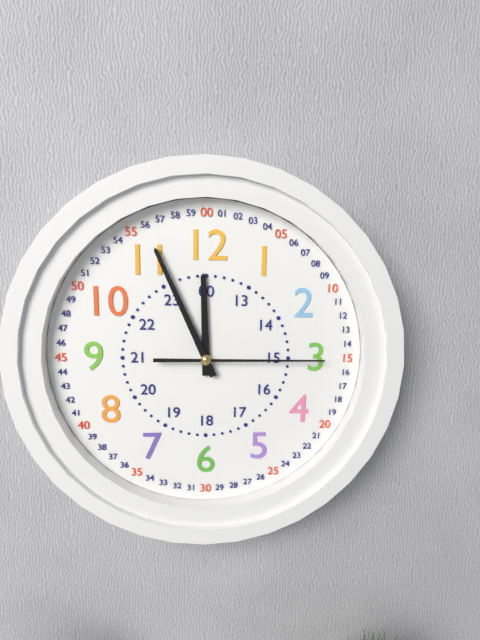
11:56:15
